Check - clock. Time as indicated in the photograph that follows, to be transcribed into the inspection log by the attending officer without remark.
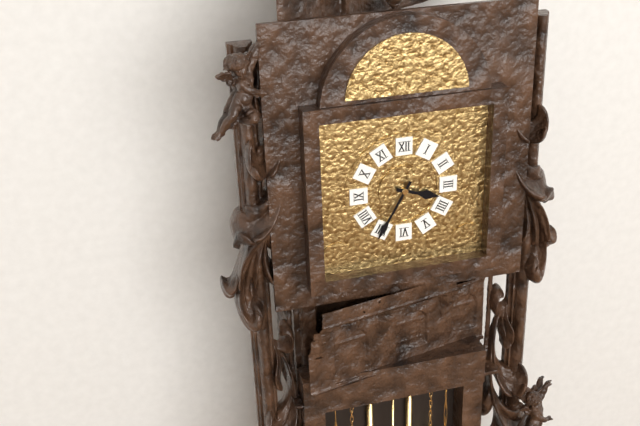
3:35
